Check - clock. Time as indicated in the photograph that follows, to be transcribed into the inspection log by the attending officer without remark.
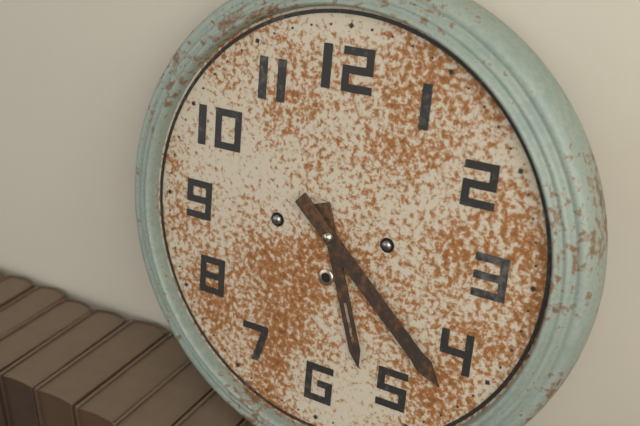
5:22
